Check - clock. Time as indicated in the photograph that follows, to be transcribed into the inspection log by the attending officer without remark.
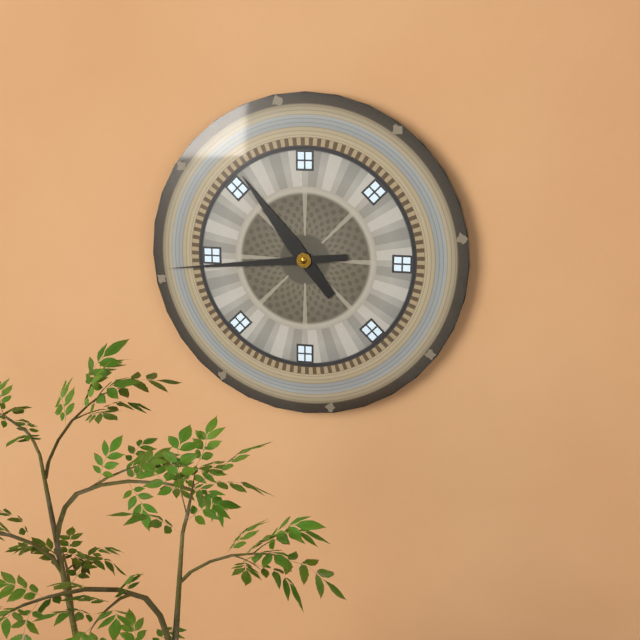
10:44
